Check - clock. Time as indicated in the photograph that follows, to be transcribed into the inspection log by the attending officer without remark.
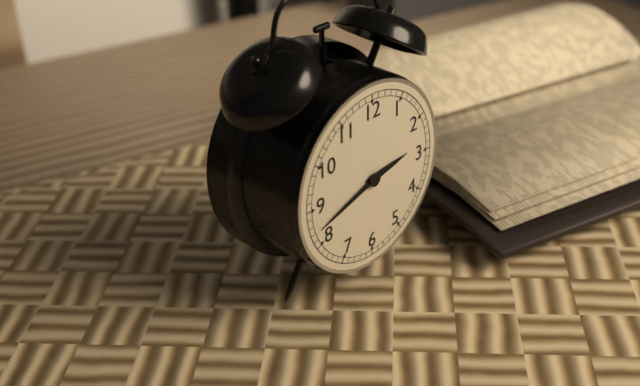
2:42
